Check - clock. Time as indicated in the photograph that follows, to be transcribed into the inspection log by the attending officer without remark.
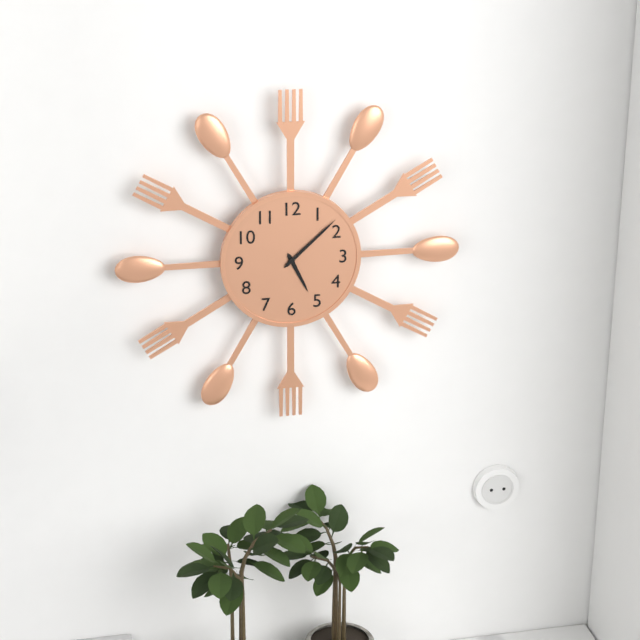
5:08
